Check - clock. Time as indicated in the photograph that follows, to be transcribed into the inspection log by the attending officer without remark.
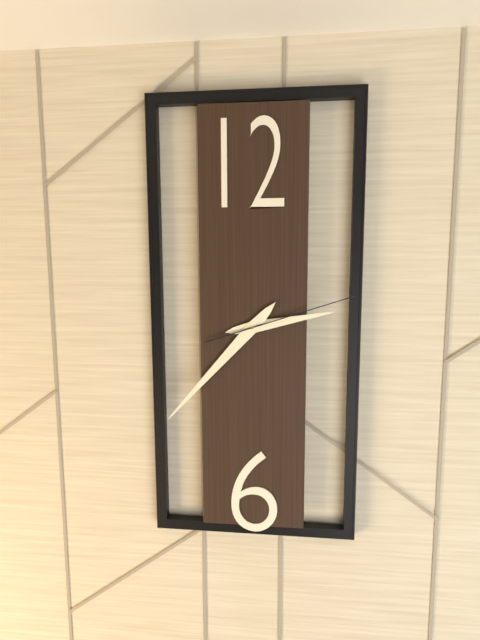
2:37:12
